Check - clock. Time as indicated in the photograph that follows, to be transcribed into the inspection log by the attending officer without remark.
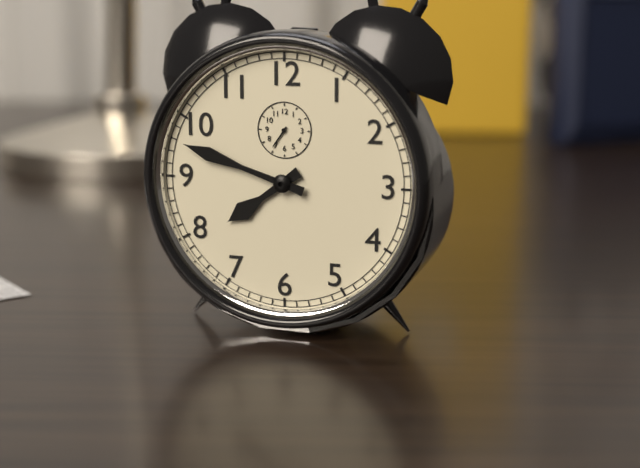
7:48
